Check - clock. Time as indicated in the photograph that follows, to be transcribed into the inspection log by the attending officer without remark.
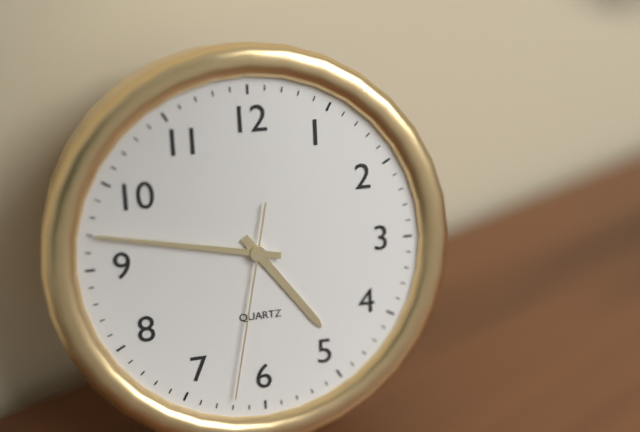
4:47:32
